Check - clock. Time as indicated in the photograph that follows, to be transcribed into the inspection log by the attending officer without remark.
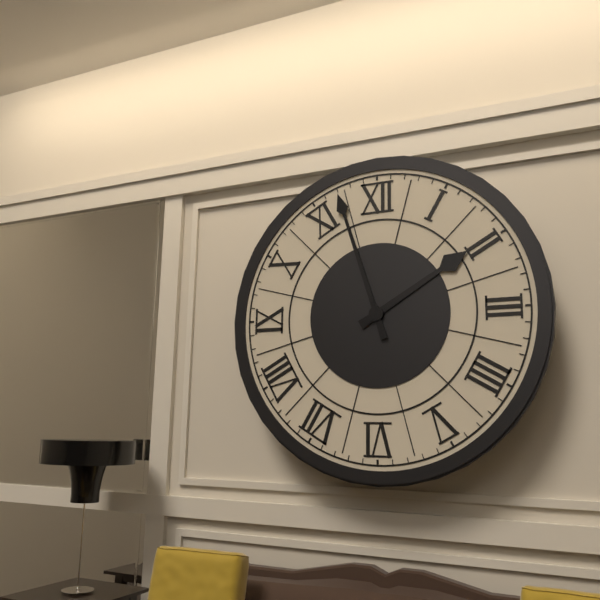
1:57
